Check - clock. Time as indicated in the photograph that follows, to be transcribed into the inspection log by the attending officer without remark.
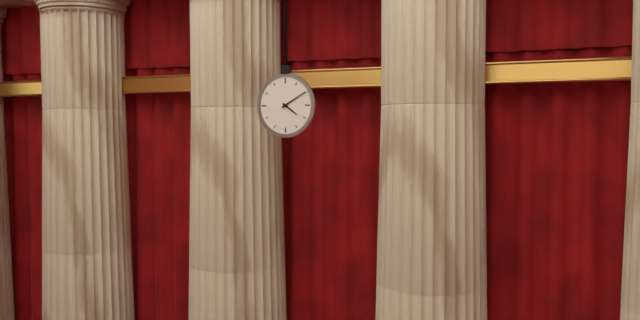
4:10
